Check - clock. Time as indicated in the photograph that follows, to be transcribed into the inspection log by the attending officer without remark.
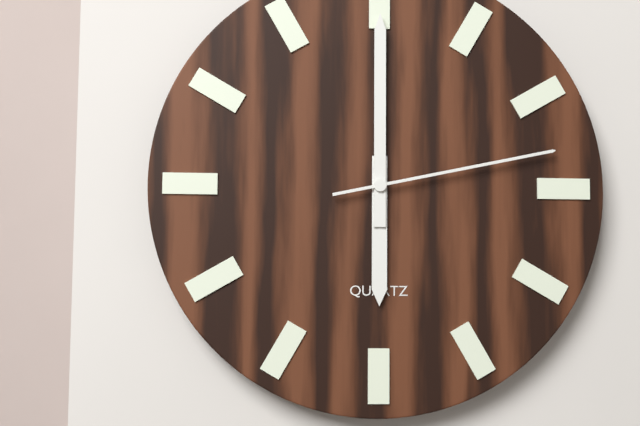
6:00:13
